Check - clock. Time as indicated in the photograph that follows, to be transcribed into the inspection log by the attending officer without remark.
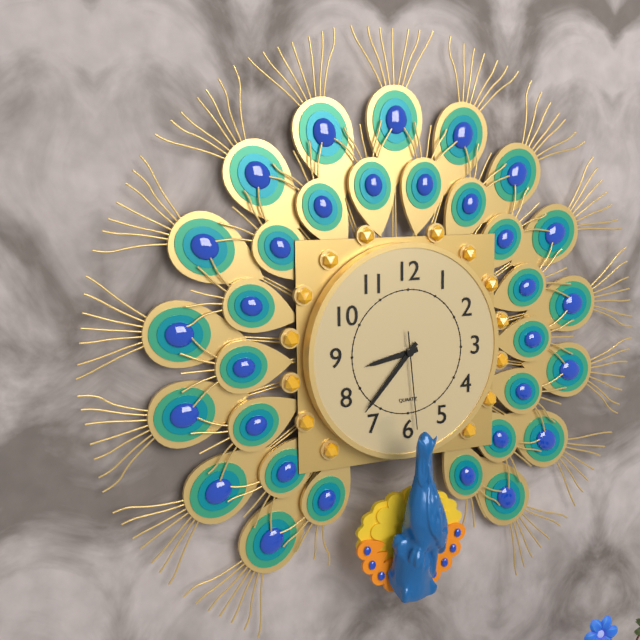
8:37:29
